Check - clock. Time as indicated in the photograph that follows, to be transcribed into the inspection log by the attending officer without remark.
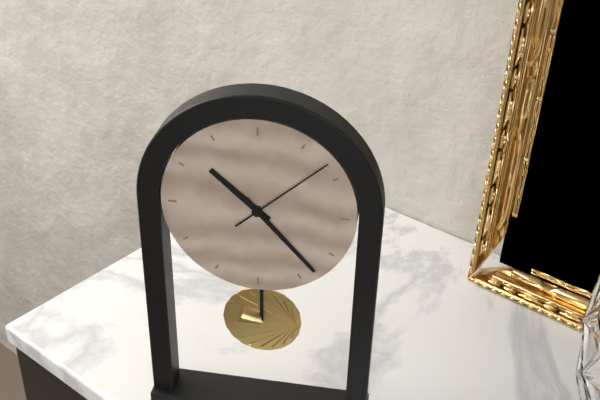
10:23:08
